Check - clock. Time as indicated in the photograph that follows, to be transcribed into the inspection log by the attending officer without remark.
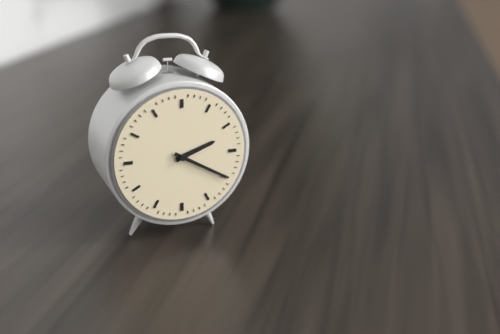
2:20
